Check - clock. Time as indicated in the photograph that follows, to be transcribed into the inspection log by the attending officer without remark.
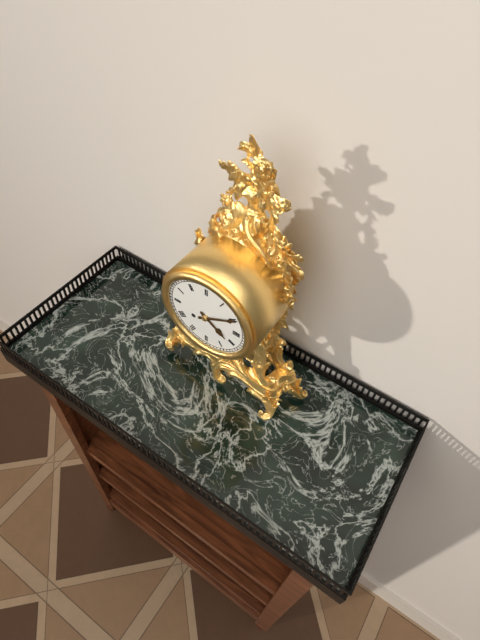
4:10
